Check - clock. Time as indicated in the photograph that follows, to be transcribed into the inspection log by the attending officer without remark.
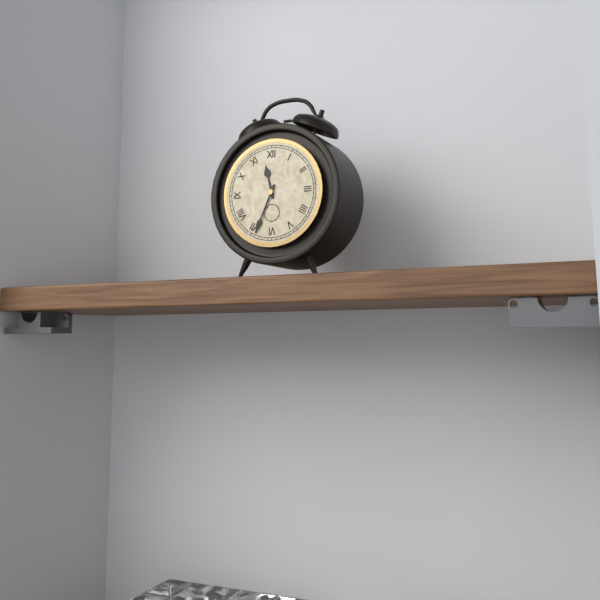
11:34
